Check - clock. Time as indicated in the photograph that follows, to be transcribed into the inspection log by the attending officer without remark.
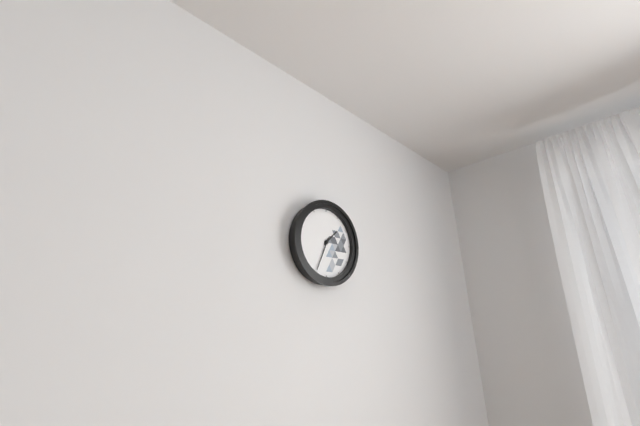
1:34
